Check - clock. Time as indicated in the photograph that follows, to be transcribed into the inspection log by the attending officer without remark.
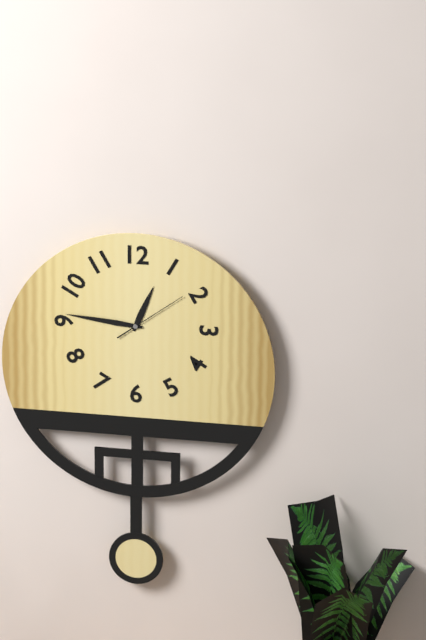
12:46:09
